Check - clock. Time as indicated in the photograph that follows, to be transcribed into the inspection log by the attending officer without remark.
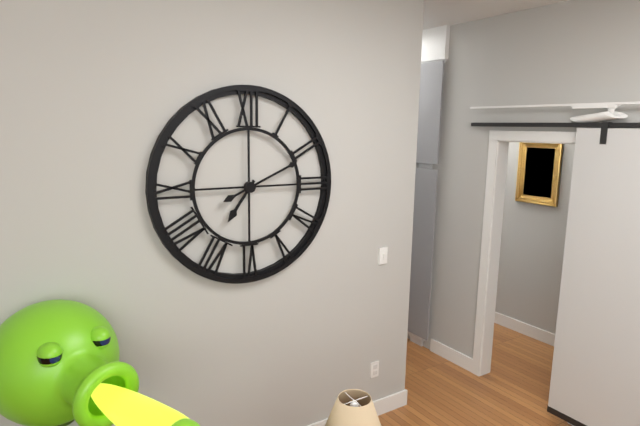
7:11
